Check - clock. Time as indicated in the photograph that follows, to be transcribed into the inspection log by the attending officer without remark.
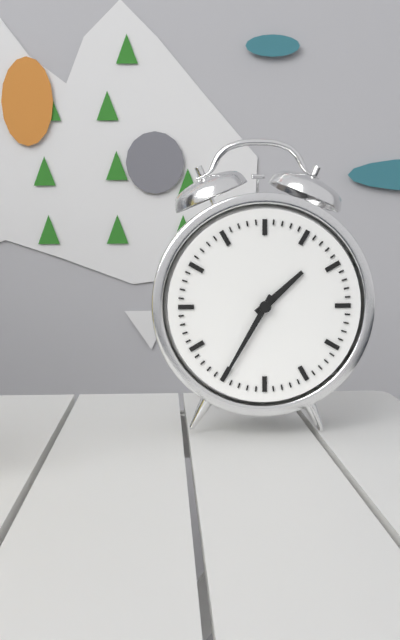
1:35
